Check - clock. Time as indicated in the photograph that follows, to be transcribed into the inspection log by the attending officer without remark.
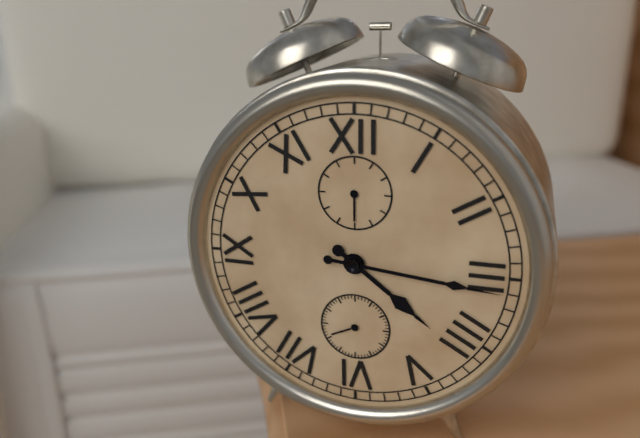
4:16
